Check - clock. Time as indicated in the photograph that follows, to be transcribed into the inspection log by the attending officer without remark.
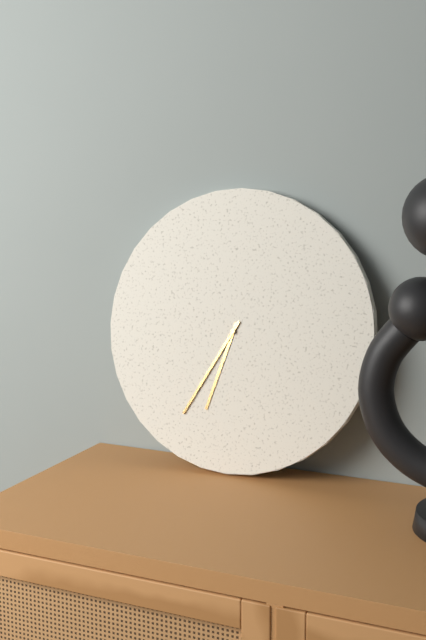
6:35
